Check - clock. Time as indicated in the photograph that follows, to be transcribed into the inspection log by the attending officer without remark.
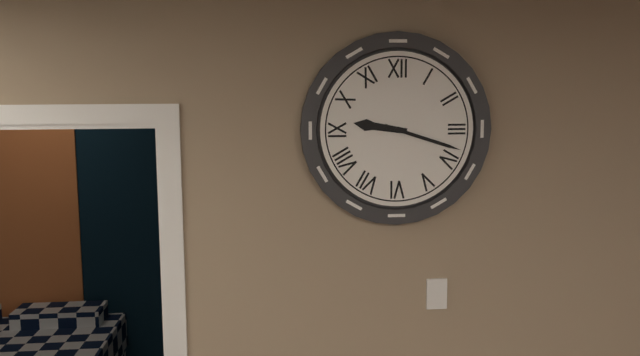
9:18
